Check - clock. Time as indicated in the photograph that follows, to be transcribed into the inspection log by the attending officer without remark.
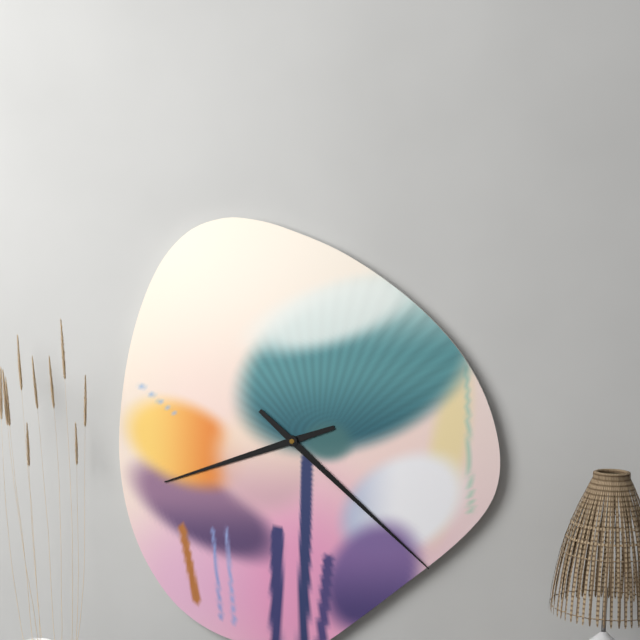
8:22
